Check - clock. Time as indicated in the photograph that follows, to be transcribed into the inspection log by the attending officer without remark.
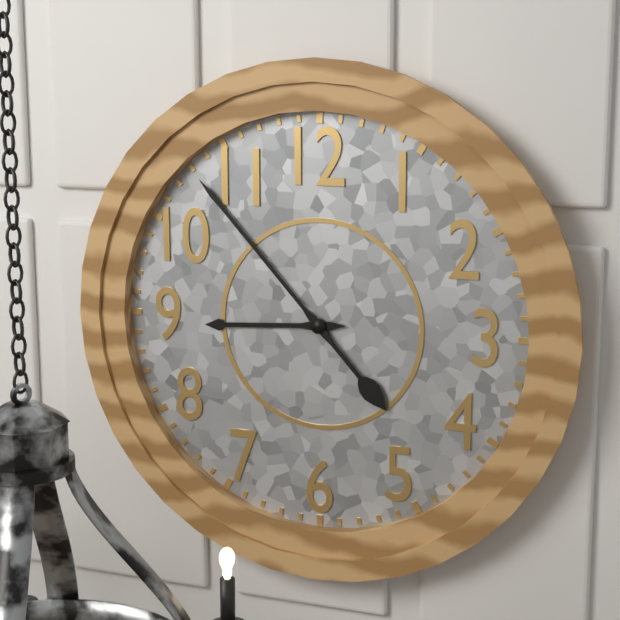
8:53
